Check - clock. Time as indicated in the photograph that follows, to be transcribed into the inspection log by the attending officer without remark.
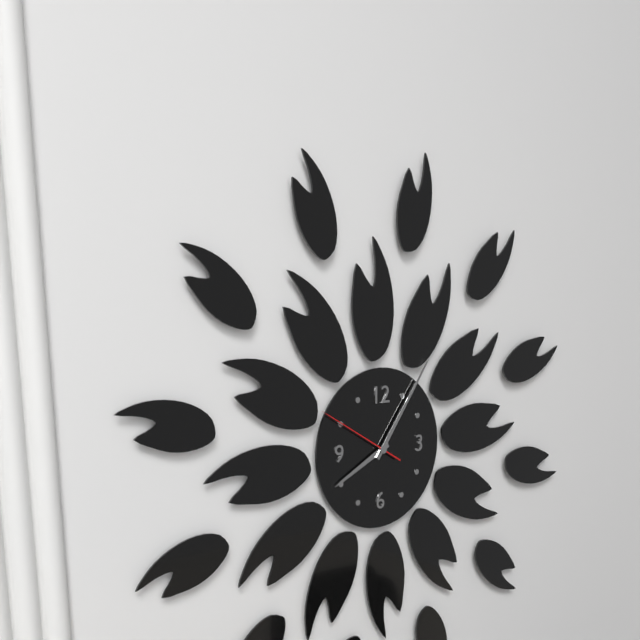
8:06:50
